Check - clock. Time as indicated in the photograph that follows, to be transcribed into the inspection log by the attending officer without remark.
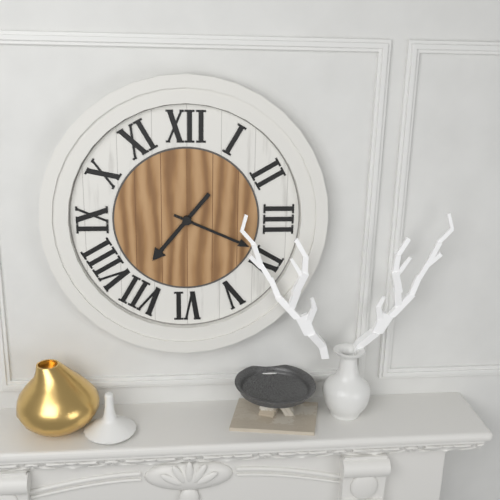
7:19
